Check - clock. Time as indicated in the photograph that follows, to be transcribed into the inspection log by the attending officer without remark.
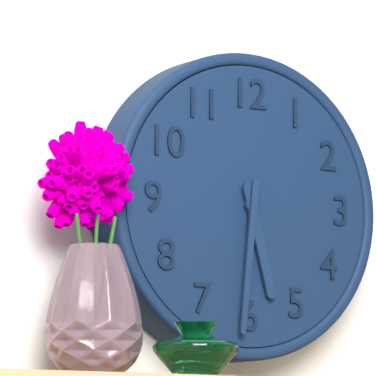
5:31
